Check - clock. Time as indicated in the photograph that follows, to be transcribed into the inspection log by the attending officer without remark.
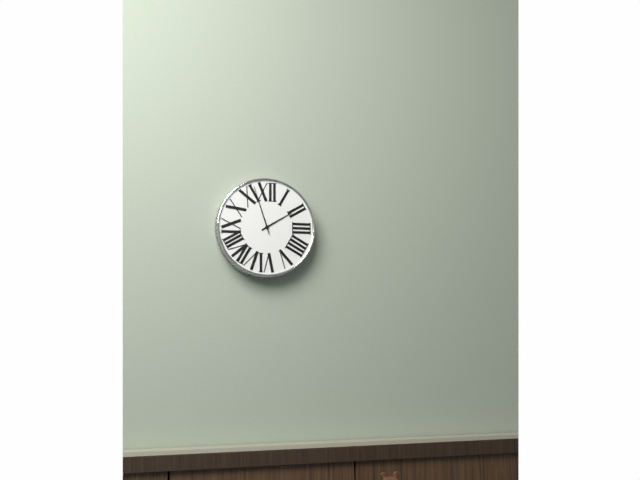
1:57
